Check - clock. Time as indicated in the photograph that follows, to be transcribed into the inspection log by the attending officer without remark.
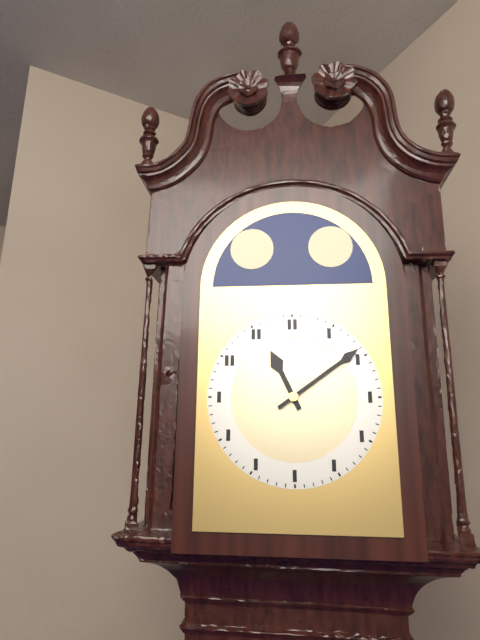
11:09
